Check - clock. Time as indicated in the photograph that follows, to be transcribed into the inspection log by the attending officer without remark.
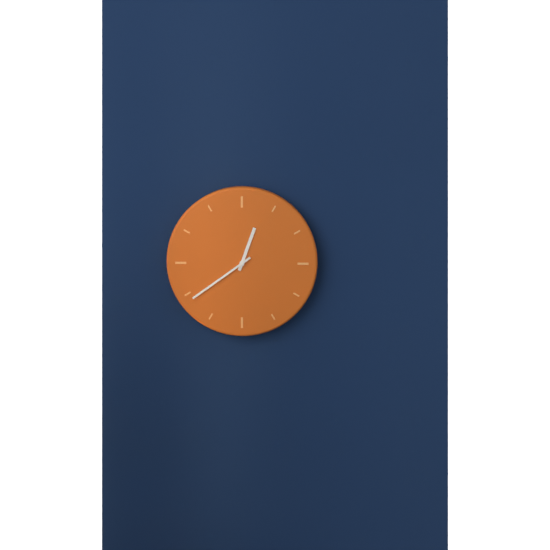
12:39
